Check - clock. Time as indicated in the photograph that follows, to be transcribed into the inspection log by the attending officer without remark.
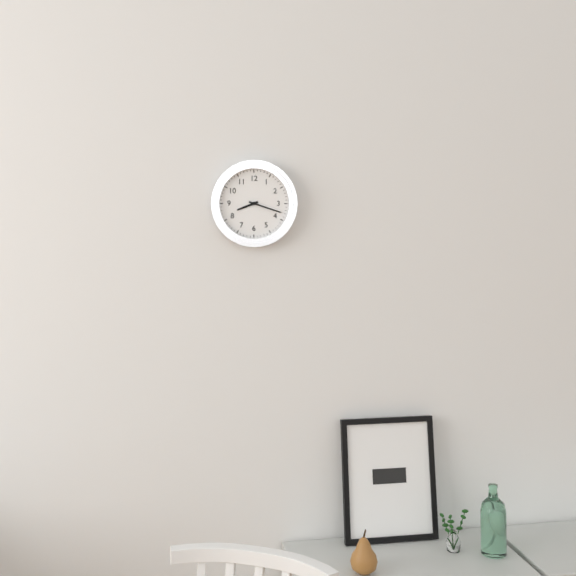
8:18
